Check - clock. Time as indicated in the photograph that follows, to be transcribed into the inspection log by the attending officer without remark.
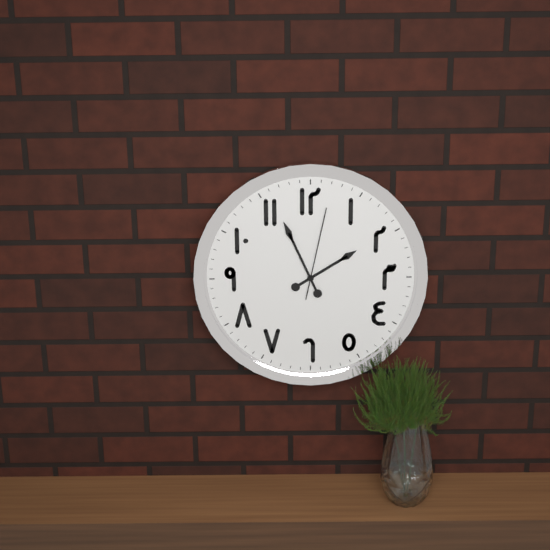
1:56:02
